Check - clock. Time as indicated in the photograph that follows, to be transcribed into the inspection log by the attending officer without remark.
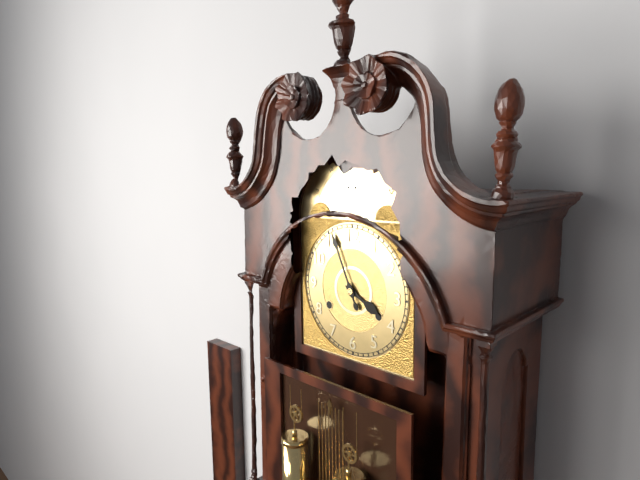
3:56
